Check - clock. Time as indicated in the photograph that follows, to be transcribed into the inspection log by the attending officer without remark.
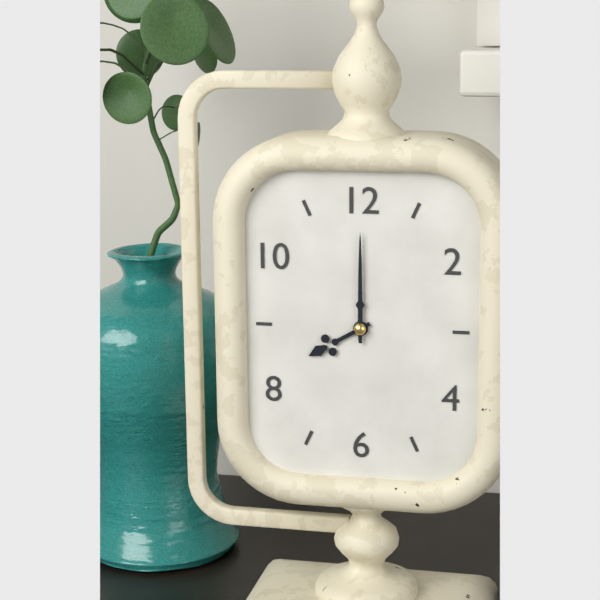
8:00
